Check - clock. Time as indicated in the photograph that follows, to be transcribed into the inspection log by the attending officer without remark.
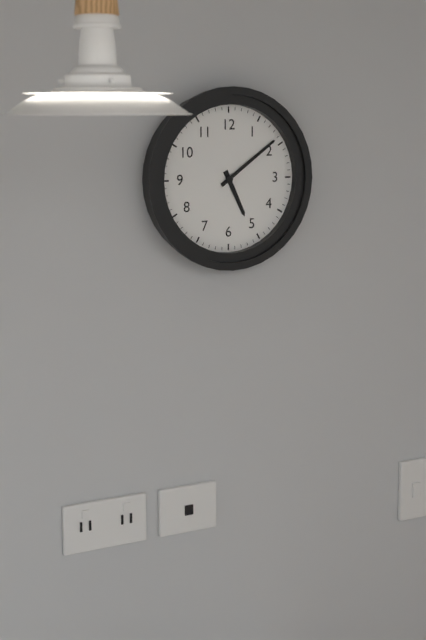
5:09
